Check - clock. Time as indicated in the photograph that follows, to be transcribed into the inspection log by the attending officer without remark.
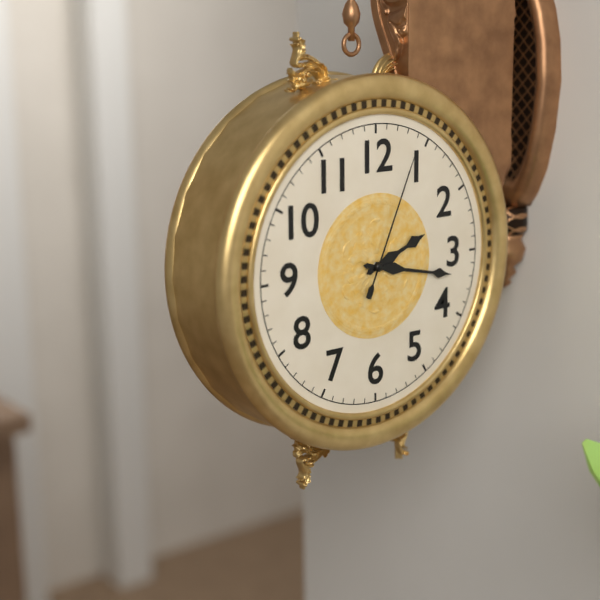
2:17:04
